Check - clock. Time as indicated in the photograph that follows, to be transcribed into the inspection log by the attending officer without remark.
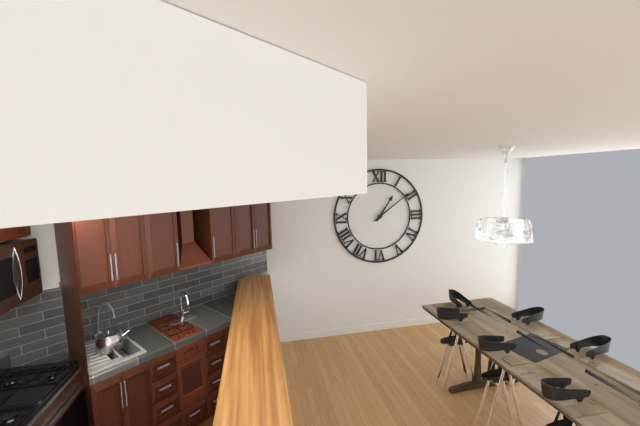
1:09
